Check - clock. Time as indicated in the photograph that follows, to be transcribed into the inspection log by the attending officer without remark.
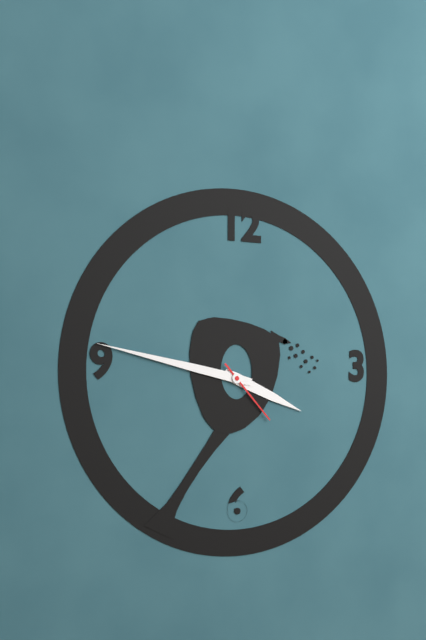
3:47:23
